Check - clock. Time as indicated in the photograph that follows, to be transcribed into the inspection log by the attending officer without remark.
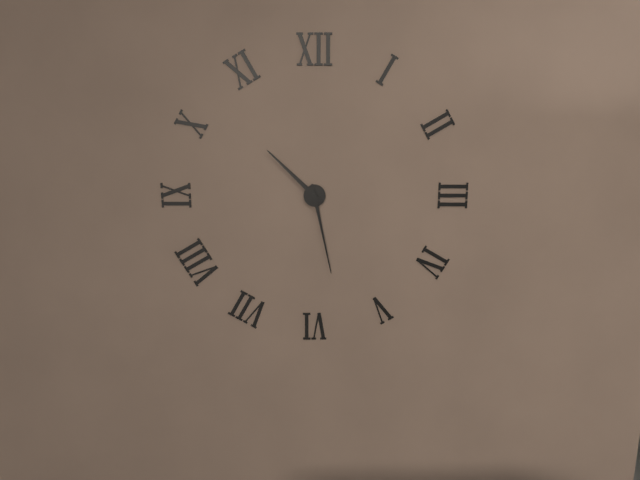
10:28
